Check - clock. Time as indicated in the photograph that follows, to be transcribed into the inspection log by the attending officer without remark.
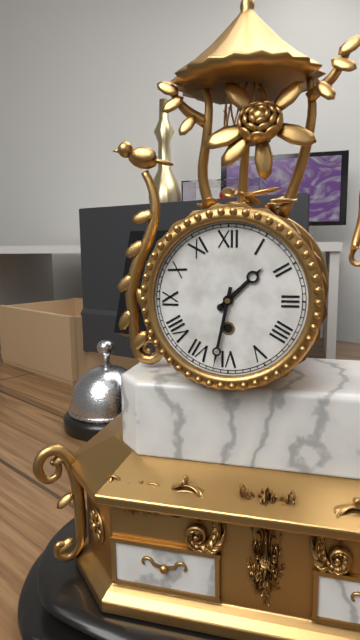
1:32
